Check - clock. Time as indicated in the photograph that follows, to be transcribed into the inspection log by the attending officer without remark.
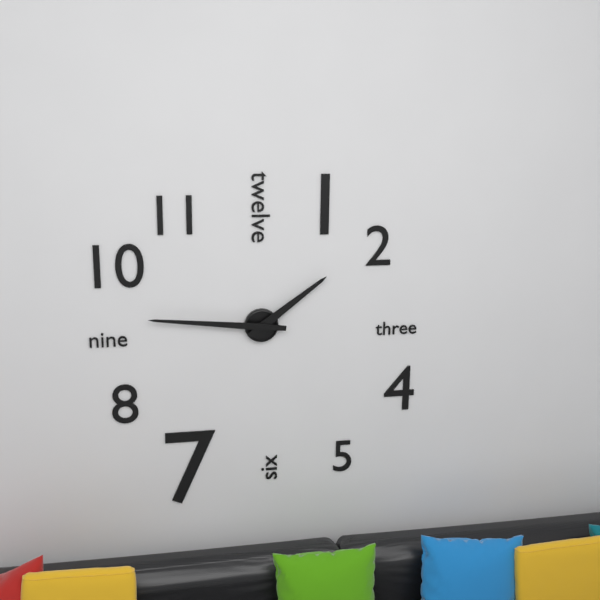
1:46
